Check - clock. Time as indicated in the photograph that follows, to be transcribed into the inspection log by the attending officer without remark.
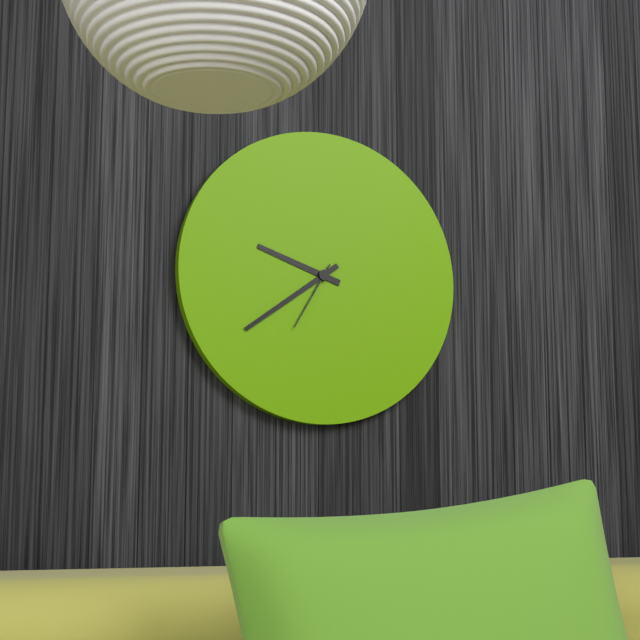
9:39:35
